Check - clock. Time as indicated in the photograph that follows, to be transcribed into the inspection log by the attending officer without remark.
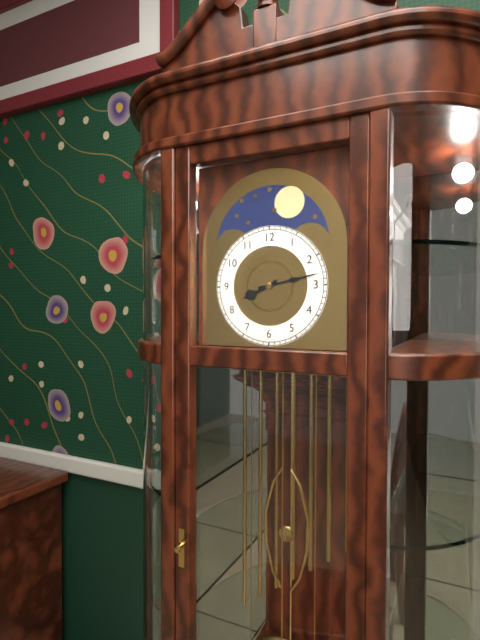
8:13
